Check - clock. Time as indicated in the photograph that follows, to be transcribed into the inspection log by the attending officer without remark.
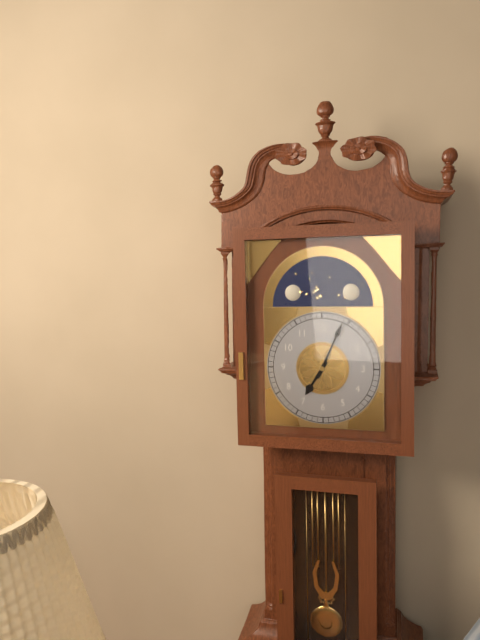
7:04
